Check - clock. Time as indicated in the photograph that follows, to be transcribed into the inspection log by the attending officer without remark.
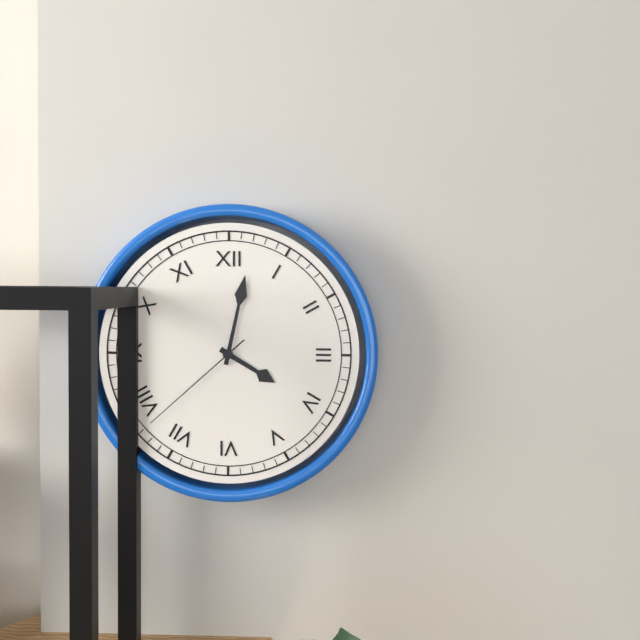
4:02:38
